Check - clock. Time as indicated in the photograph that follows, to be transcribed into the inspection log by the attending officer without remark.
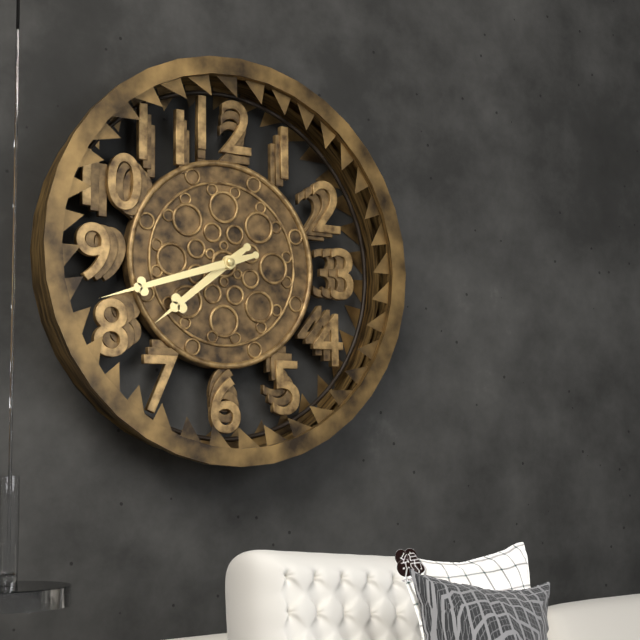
7:42
